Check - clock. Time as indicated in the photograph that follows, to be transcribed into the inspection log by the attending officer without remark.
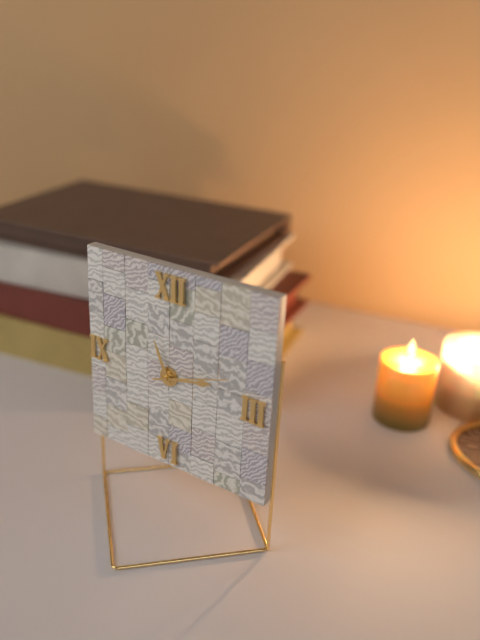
11:13:12
